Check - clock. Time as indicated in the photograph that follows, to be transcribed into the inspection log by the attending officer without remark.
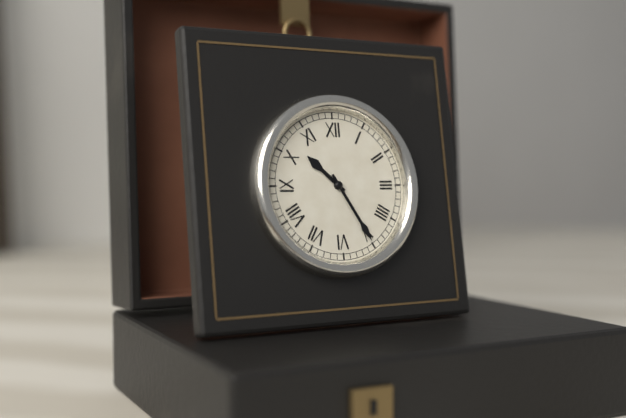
10:25
